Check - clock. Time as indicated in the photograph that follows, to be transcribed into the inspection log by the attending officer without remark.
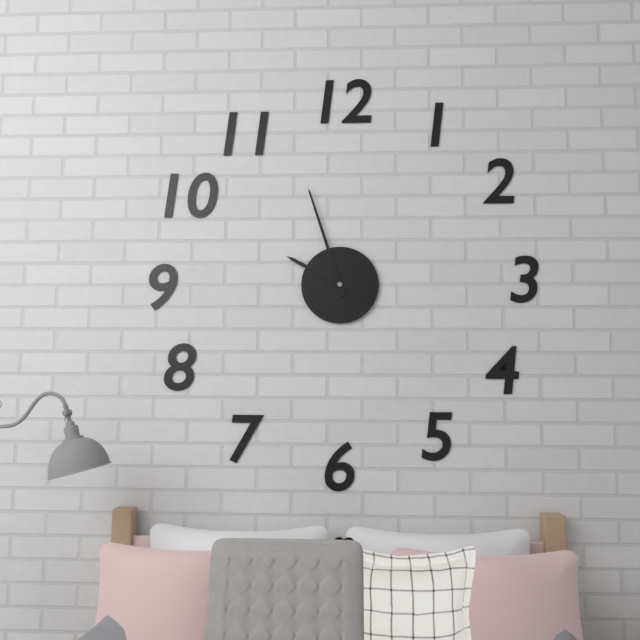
9:57
